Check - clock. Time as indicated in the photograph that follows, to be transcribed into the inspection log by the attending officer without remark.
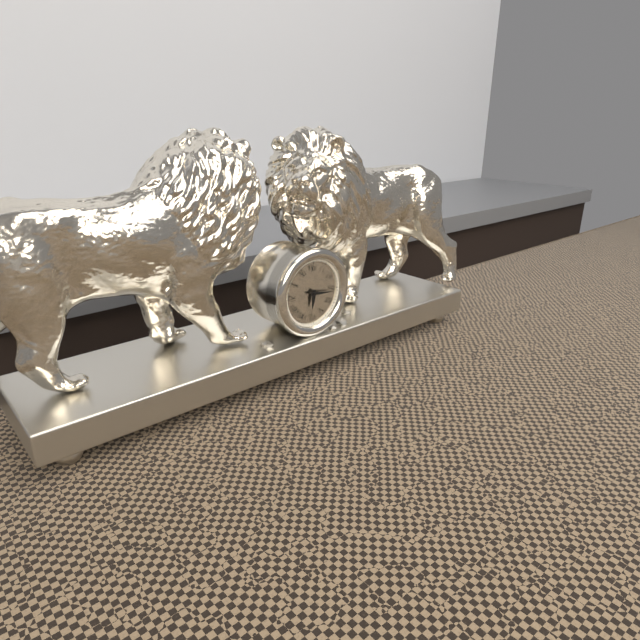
6:16
